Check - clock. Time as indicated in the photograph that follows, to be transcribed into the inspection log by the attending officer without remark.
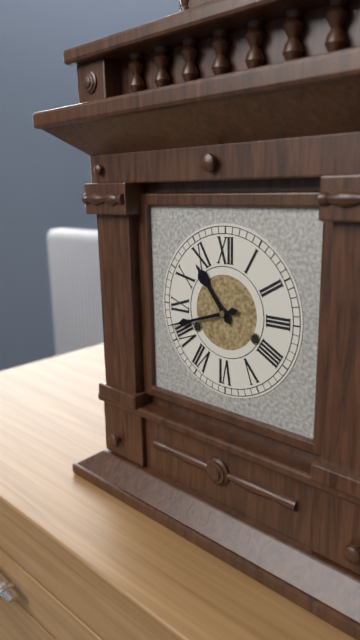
10:42
